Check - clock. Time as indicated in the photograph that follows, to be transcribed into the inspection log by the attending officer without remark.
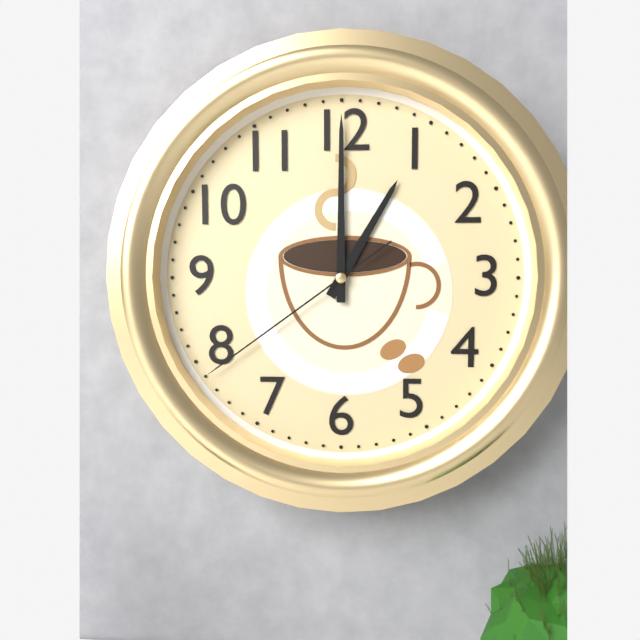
1:00:39
